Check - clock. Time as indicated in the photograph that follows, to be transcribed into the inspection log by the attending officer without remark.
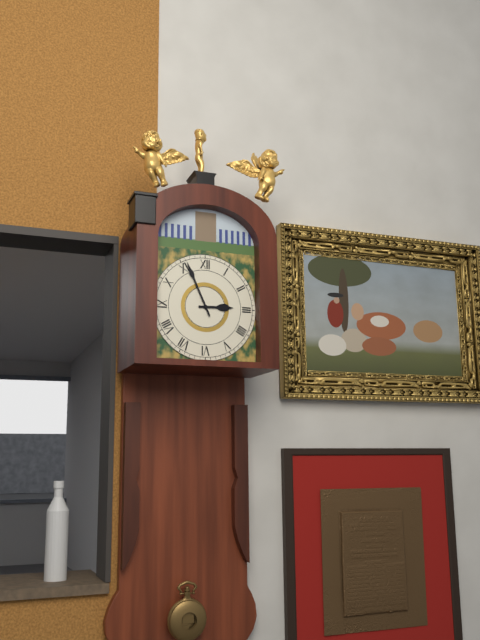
2:56
